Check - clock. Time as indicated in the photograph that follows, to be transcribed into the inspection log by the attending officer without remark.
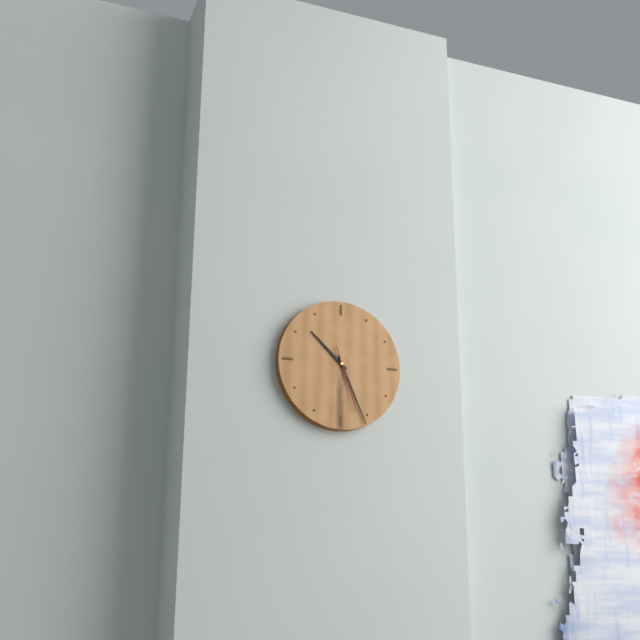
10:26:27
